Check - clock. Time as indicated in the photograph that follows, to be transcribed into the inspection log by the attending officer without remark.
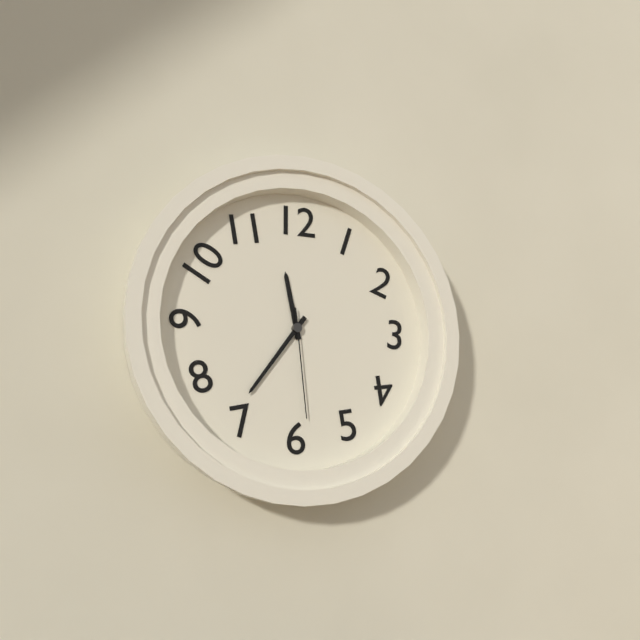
11:36:29
